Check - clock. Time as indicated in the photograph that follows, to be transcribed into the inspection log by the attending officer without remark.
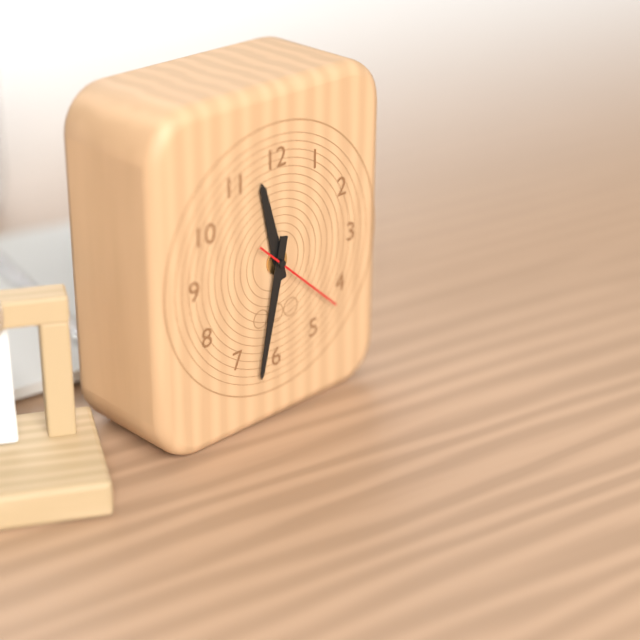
11:32:22
